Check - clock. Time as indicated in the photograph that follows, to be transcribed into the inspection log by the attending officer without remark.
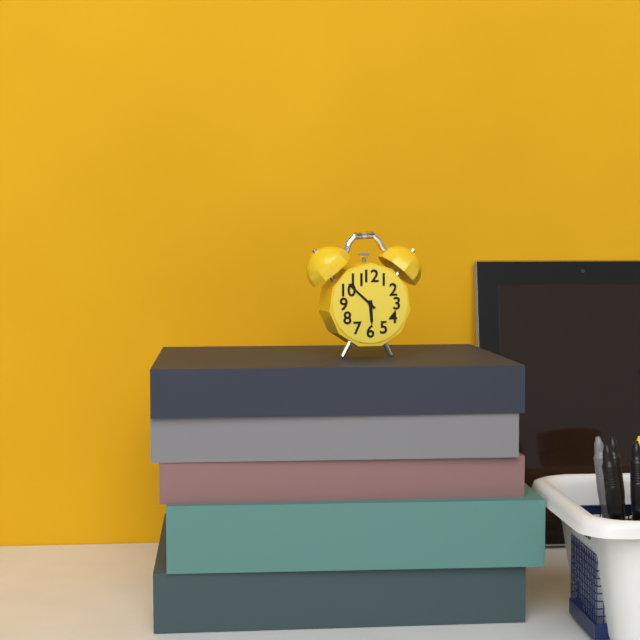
5:52
